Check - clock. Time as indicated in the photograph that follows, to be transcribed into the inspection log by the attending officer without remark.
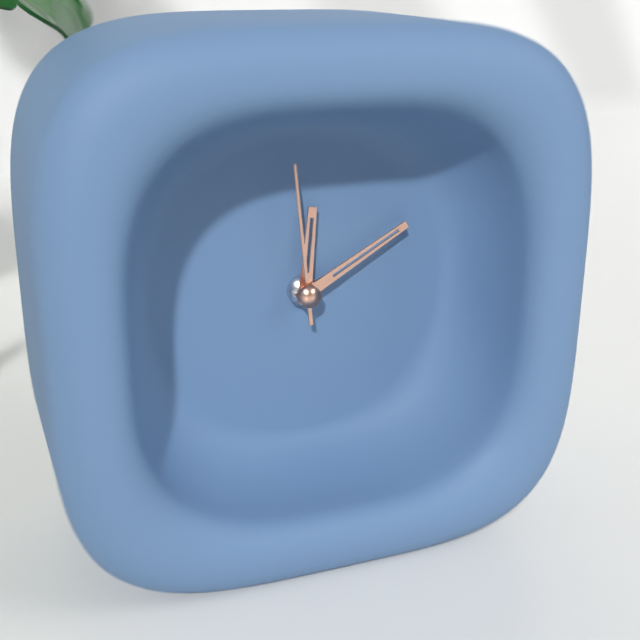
12:10:59
